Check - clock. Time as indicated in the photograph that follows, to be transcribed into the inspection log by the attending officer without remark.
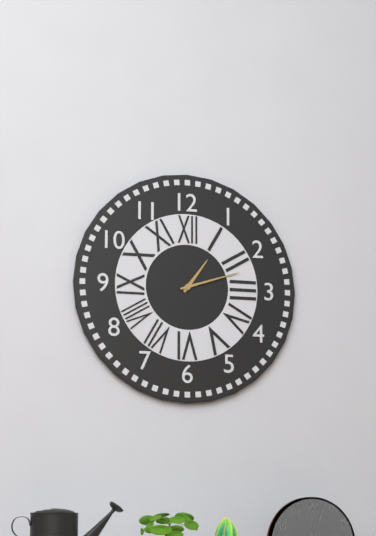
1:12
